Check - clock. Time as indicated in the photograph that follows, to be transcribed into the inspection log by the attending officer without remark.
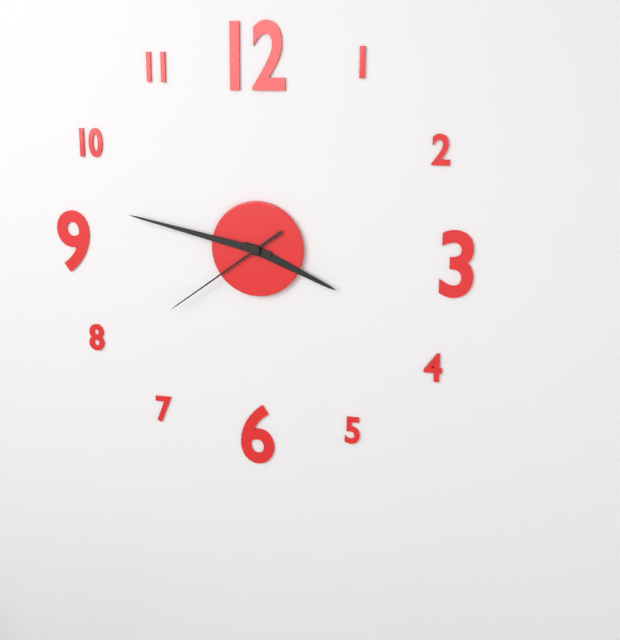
3:47:39
